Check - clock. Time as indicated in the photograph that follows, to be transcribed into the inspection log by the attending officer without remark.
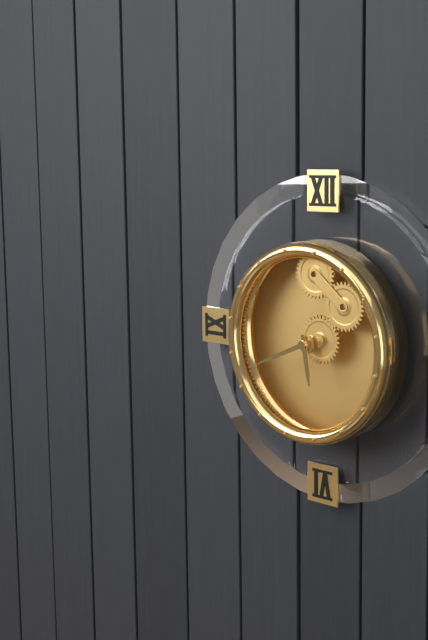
5:41
